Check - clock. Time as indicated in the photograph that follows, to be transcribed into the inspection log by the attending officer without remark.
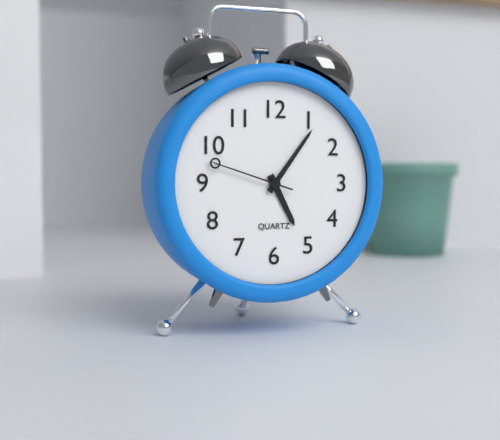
5:06:48
